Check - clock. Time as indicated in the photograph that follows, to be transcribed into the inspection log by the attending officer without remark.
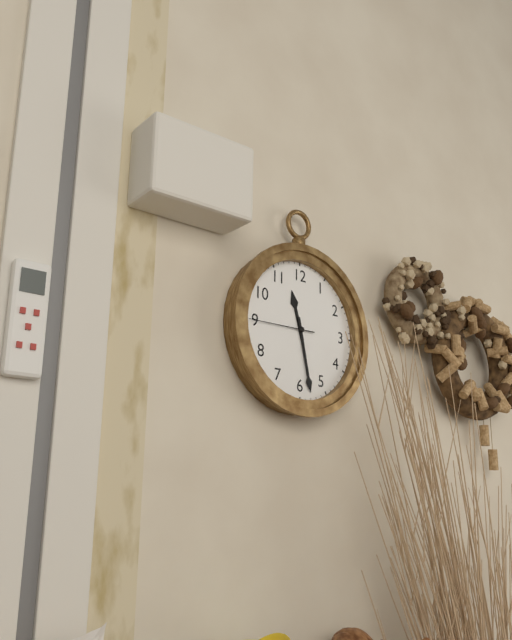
11:28:45
